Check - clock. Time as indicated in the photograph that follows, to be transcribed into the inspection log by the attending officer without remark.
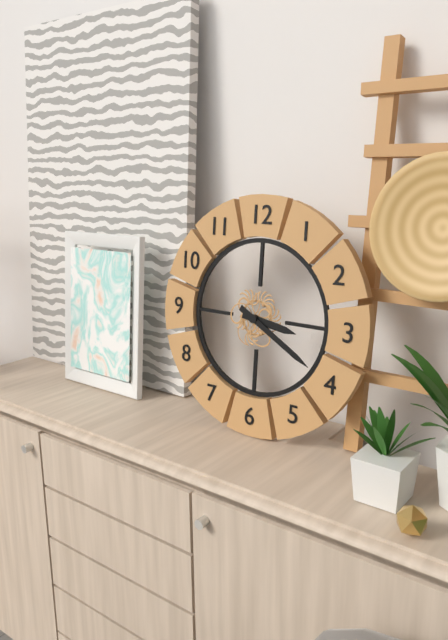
3:20
